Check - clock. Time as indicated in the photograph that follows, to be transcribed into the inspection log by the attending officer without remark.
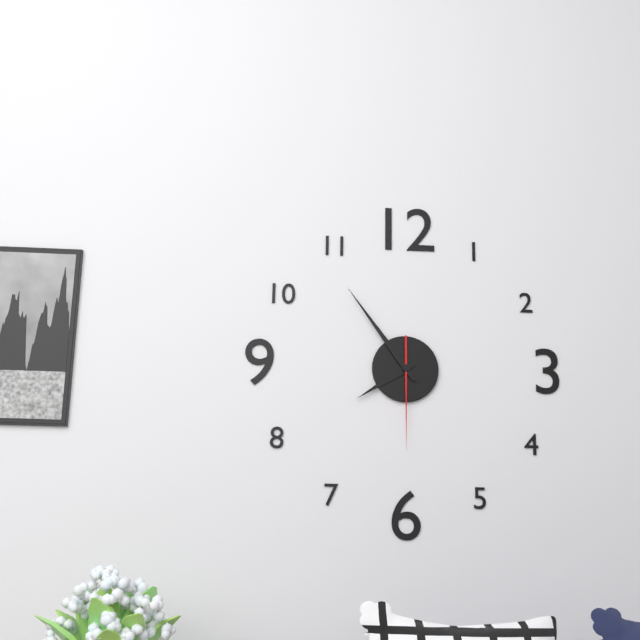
7:54:30
